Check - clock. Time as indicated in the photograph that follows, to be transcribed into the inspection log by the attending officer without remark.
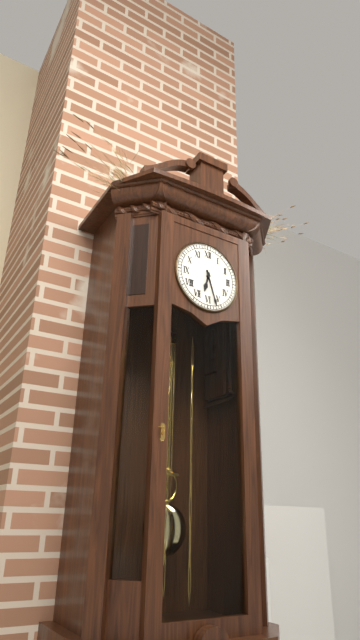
6:27
